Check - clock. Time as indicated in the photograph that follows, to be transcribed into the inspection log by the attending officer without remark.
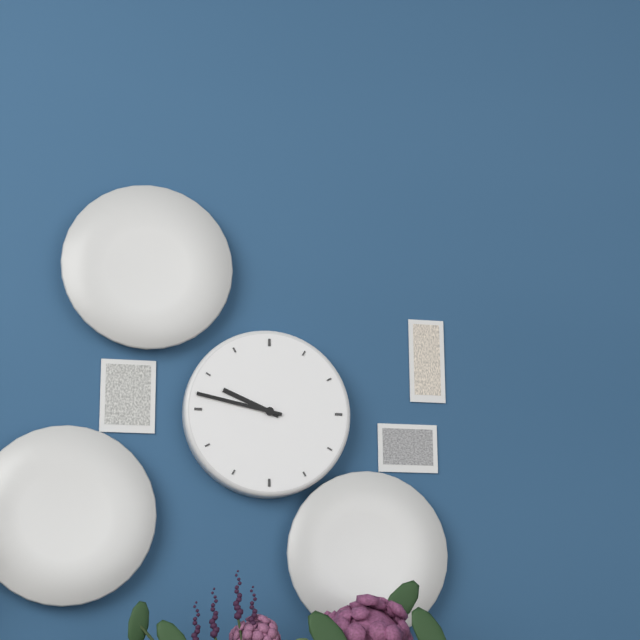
9:47
